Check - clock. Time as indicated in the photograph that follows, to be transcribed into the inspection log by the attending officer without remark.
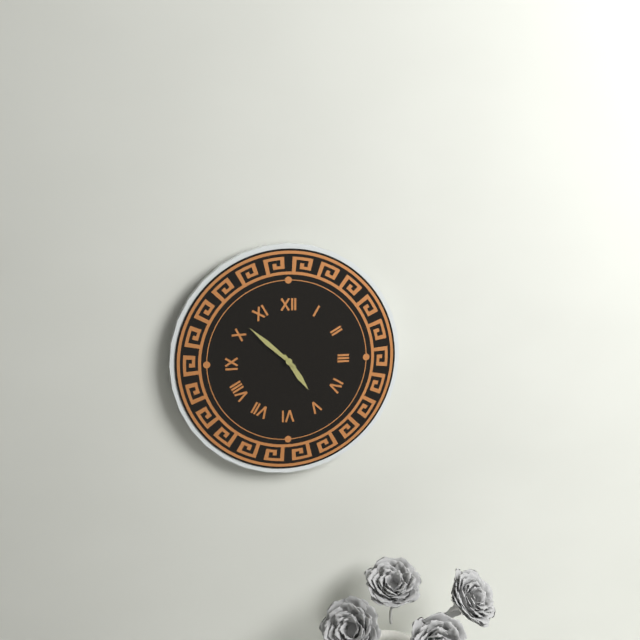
4:52
